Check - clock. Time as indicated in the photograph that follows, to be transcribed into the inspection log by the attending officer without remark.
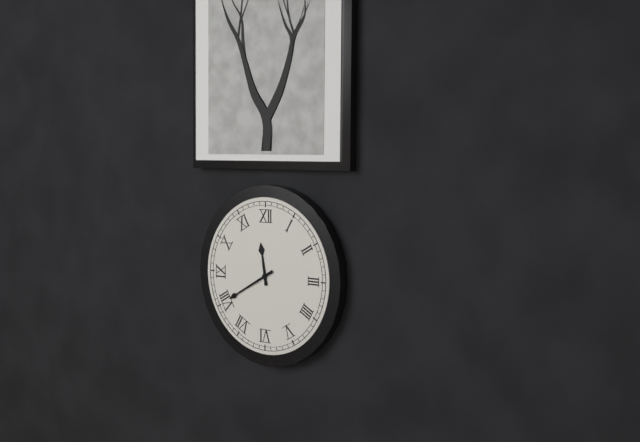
11:40
